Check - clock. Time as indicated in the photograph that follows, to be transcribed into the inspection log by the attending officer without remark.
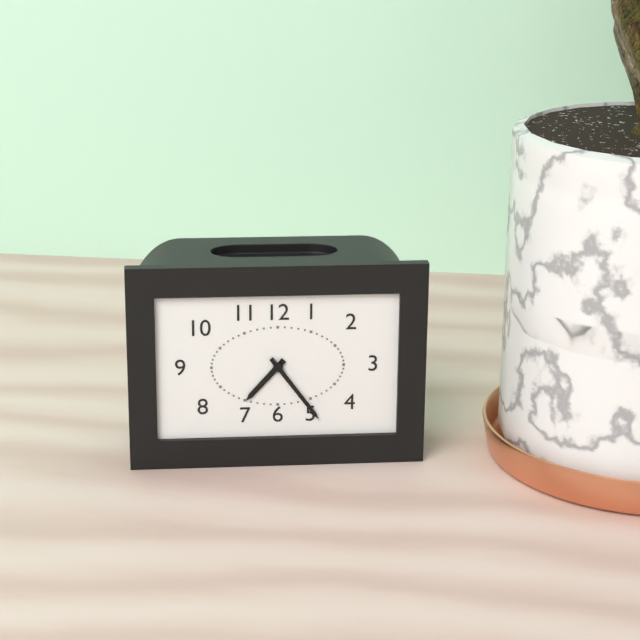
7:24
